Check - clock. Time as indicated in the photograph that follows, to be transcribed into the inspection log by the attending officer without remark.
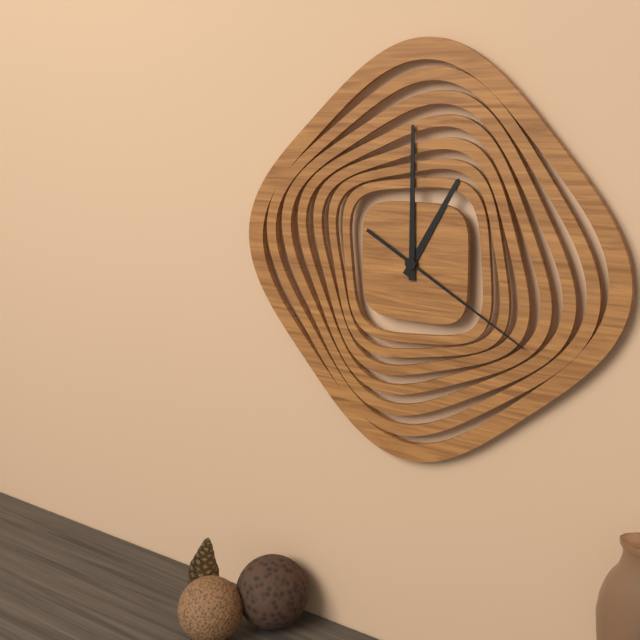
1:00:20
